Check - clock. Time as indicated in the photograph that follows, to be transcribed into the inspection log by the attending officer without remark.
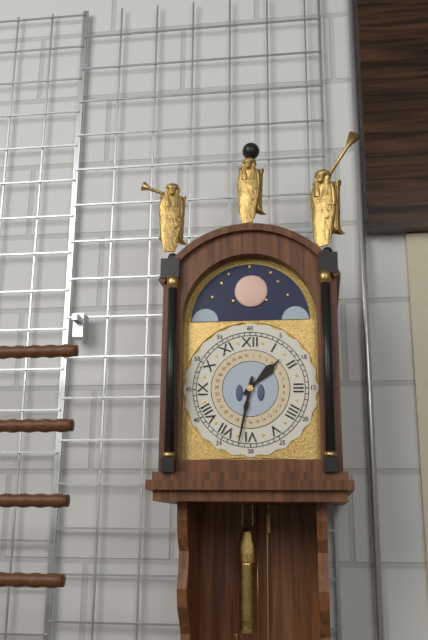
1:32
